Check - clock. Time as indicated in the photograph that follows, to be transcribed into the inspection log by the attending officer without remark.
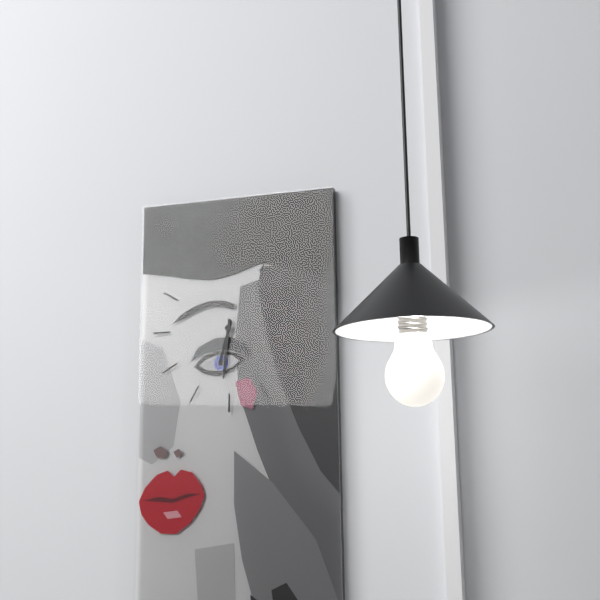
6:31
